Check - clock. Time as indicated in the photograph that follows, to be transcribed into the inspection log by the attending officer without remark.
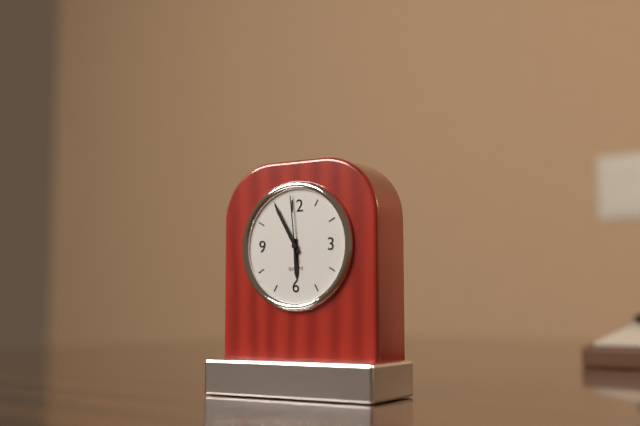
5:55:59
